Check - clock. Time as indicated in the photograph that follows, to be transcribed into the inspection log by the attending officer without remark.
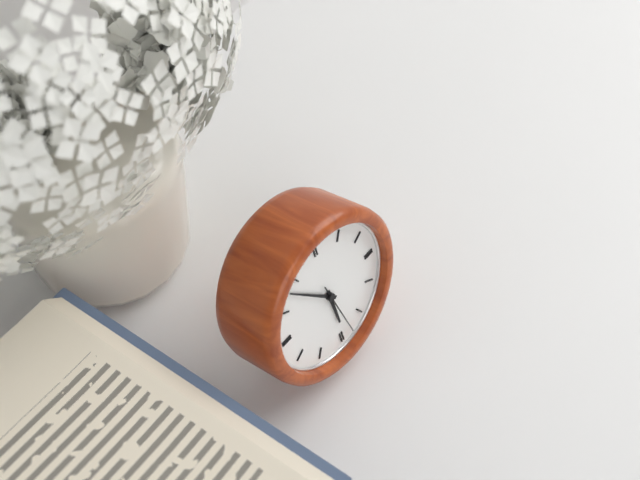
5:53:28
